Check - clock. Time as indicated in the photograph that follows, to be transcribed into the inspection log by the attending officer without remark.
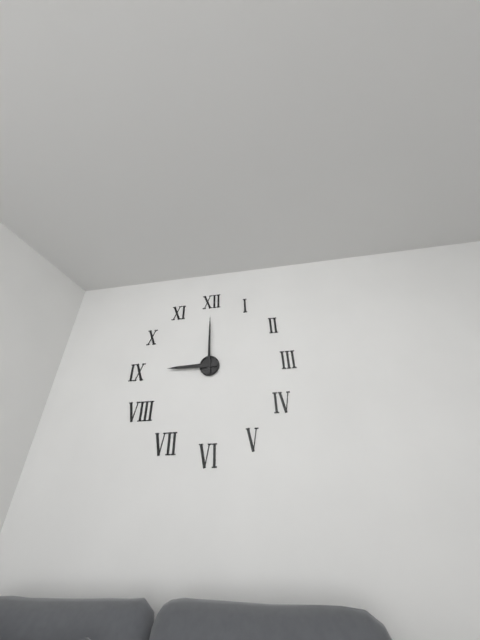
9:00
